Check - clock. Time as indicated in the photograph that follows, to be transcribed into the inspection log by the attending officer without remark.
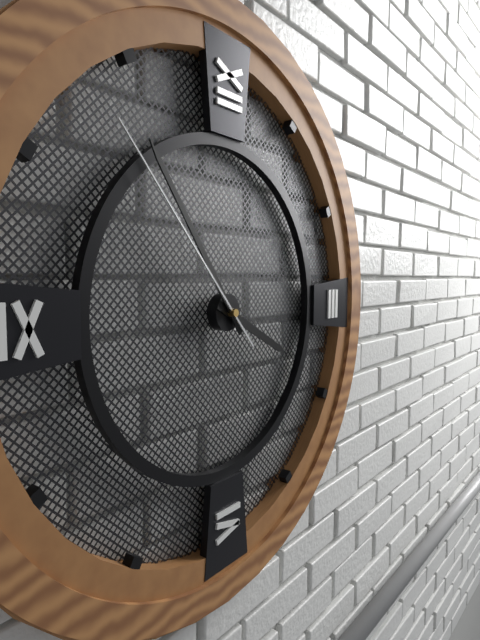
3:54:53
